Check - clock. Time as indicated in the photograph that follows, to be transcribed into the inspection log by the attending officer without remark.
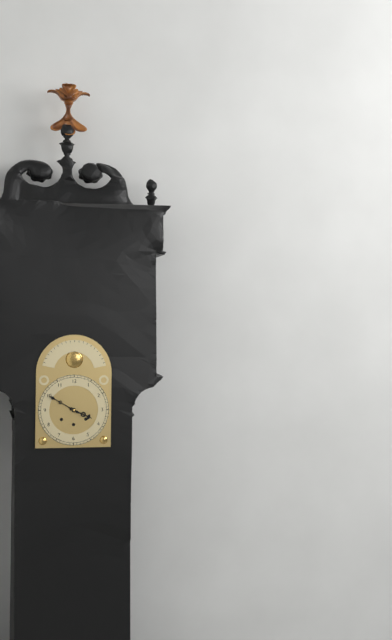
3:50
